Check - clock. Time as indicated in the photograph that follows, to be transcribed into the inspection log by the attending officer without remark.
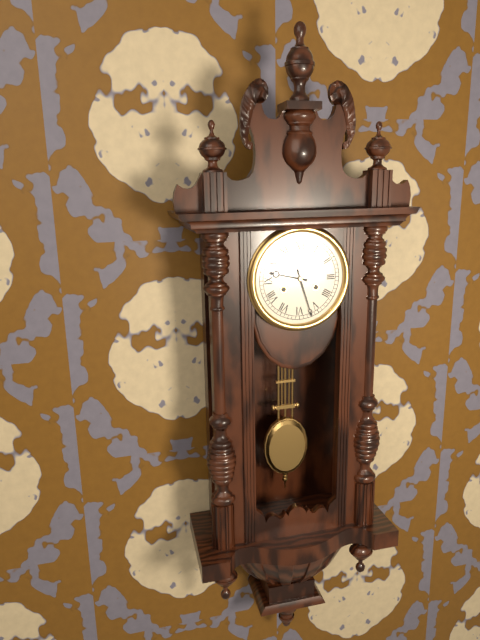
9:27
